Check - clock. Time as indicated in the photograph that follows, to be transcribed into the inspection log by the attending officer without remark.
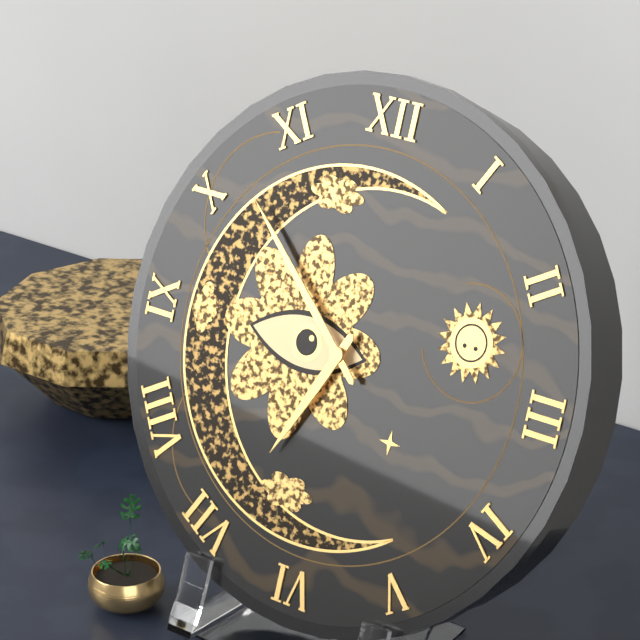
6:52
